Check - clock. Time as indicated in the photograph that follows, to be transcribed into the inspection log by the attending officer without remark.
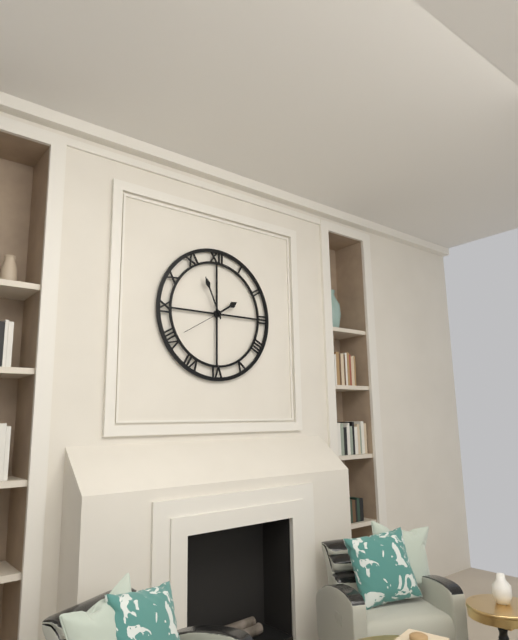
1:56
